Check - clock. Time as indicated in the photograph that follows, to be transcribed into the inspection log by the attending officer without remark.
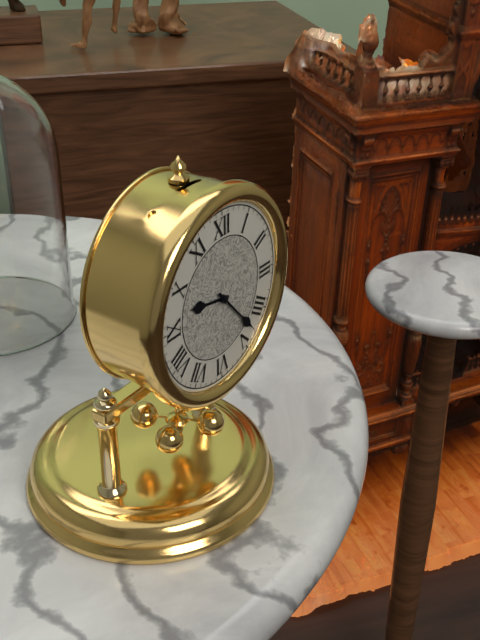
9:23
